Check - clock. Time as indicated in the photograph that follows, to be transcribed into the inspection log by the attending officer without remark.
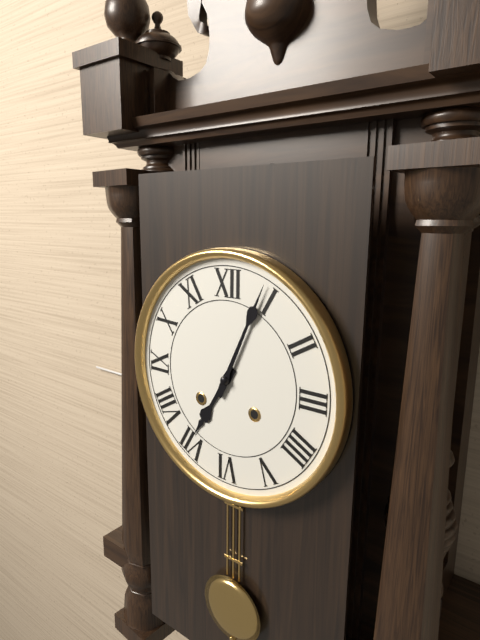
7:04
